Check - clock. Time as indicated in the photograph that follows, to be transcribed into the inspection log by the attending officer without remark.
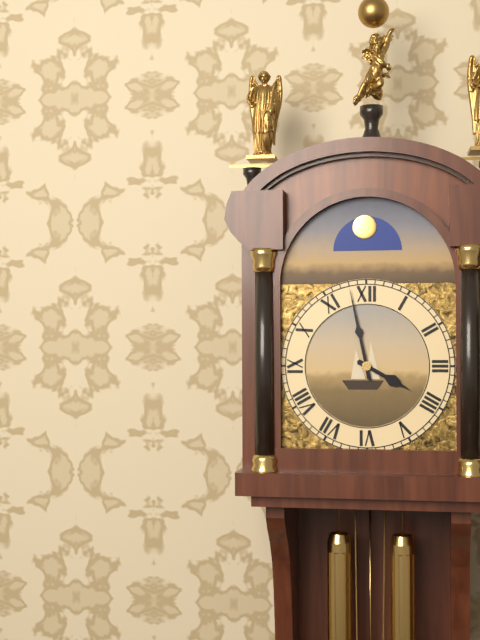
3:58
